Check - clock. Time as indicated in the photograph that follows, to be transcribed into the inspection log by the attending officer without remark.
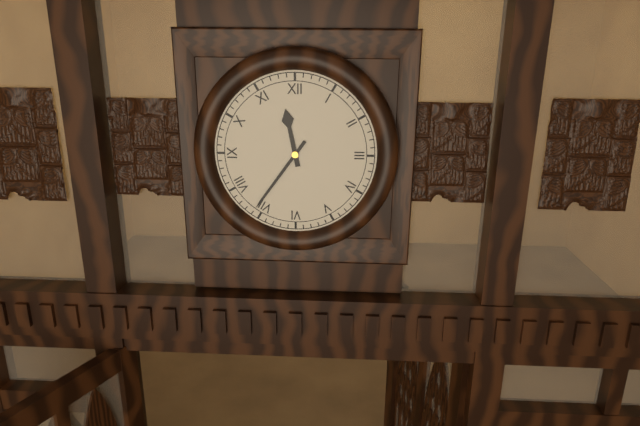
11:36
